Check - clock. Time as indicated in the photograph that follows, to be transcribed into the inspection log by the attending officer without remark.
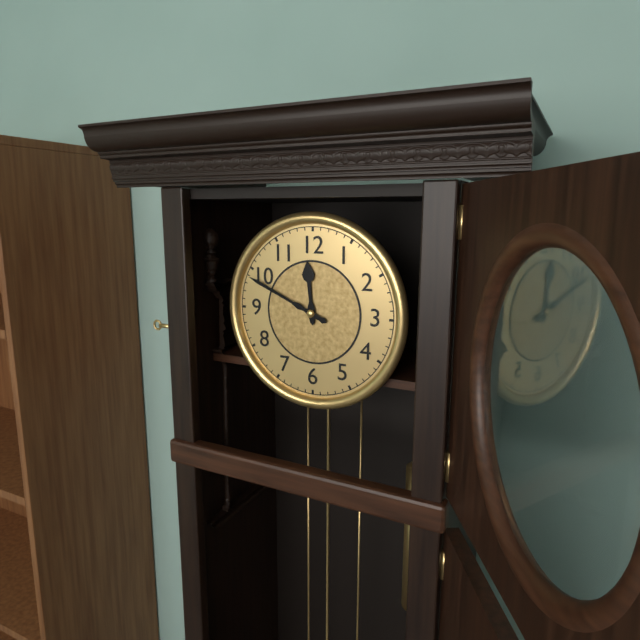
11:49
